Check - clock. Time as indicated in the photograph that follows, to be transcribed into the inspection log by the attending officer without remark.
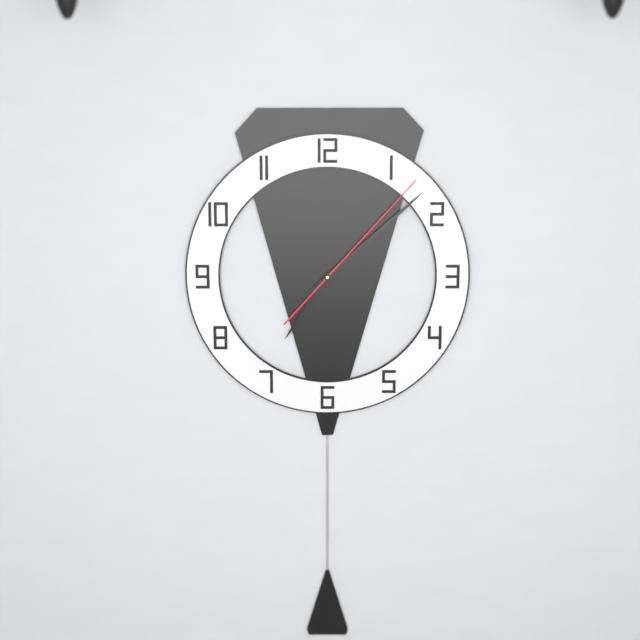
7:08:07
